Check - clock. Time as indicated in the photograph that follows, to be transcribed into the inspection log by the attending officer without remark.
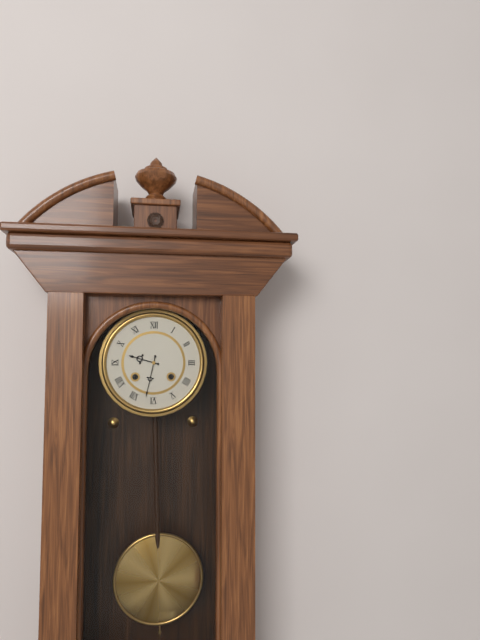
9:32
